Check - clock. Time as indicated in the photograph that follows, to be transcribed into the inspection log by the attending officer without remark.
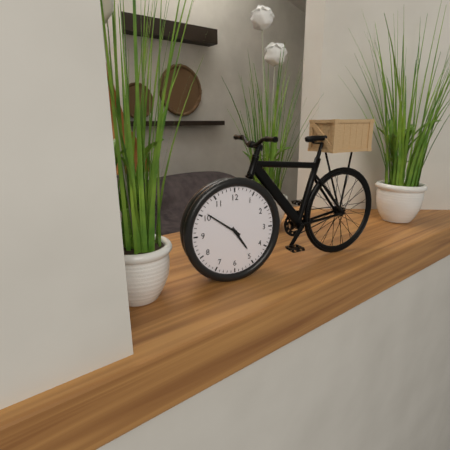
4:51
